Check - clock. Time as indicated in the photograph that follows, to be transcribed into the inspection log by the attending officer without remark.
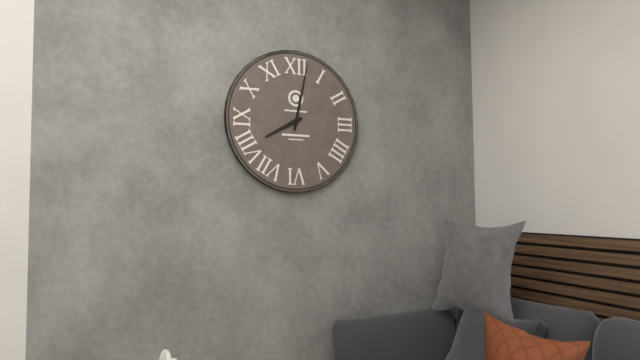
8:02
